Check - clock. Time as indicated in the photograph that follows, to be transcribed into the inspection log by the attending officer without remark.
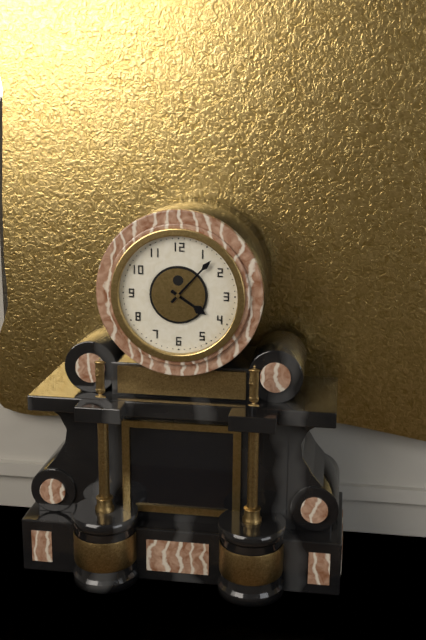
4:07
